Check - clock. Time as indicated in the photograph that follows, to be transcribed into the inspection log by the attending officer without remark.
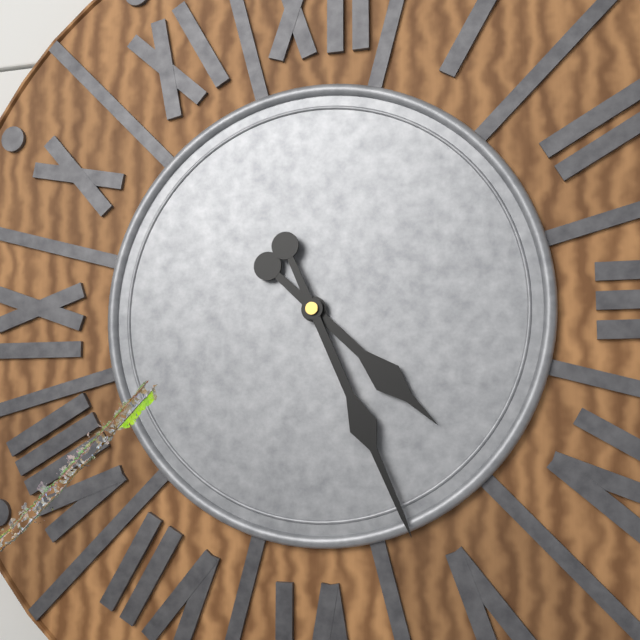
4:26
